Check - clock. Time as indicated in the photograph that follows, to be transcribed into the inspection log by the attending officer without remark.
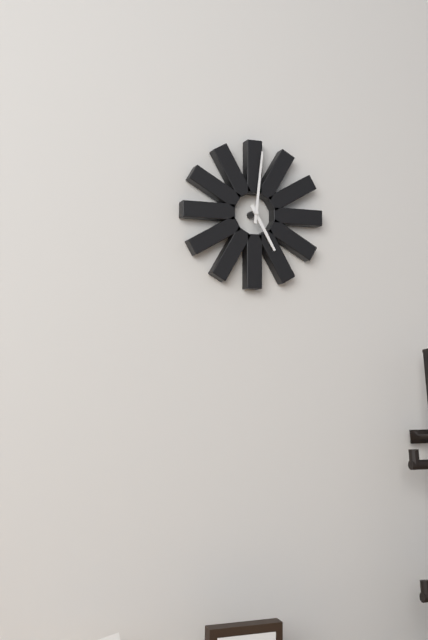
5:01
